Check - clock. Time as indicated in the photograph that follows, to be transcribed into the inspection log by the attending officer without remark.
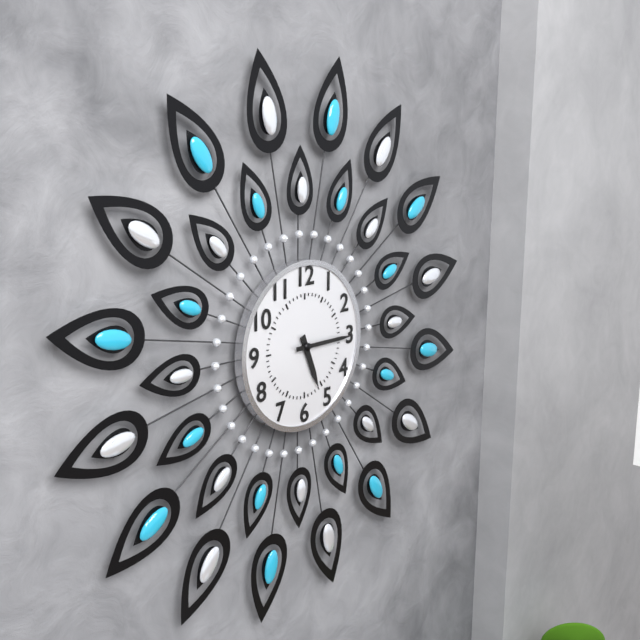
5:15
